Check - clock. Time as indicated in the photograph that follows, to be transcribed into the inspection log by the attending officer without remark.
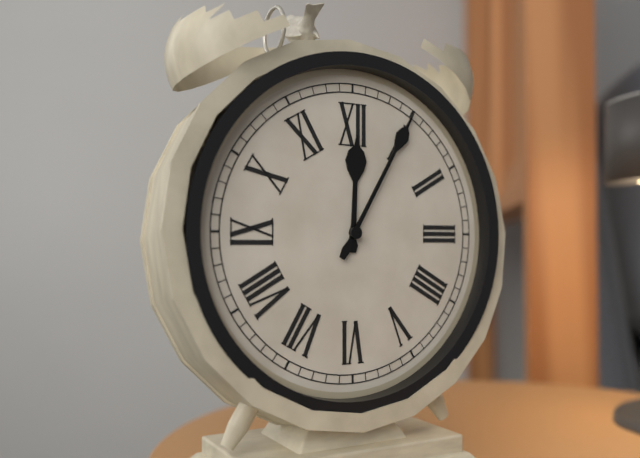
12:05
